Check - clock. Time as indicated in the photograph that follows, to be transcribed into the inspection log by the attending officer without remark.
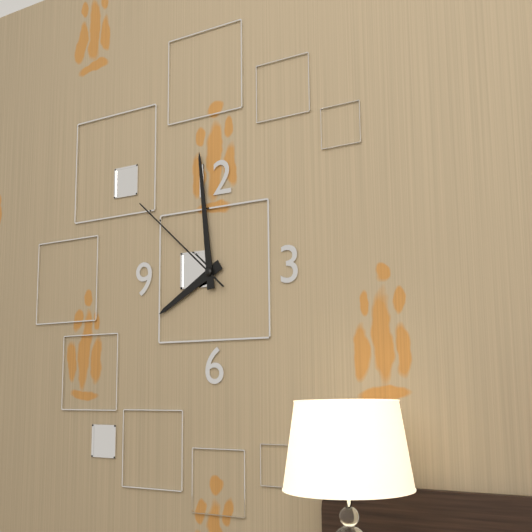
7:59:52
